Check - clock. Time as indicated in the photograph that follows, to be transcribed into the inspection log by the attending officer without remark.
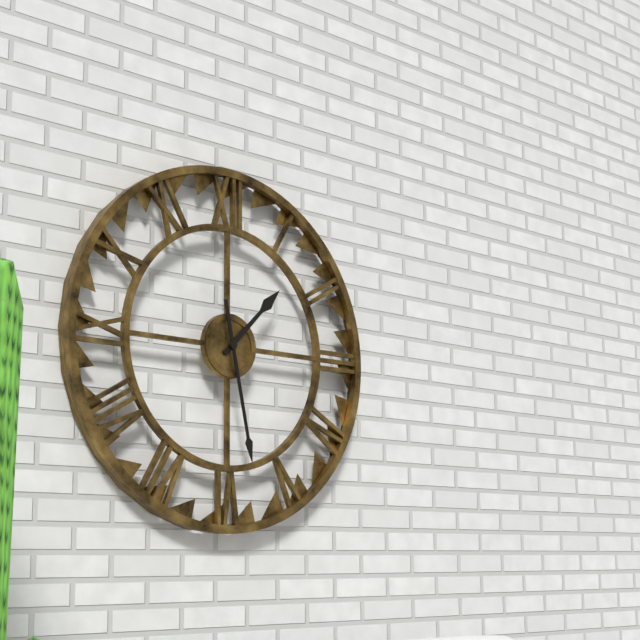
1:28
